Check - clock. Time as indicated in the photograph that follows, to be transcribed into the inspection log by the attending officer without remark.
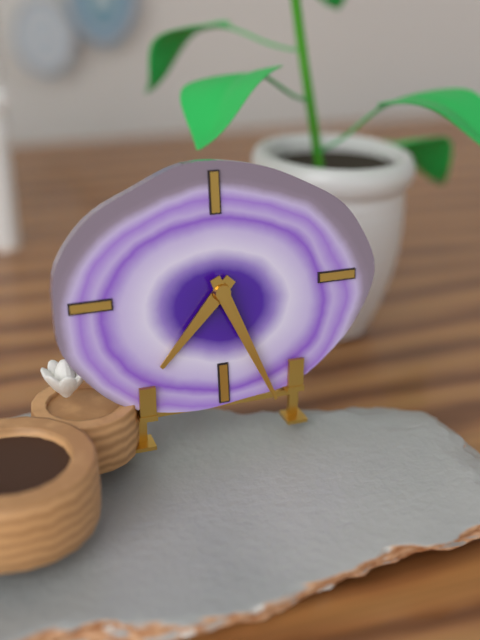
7:26
